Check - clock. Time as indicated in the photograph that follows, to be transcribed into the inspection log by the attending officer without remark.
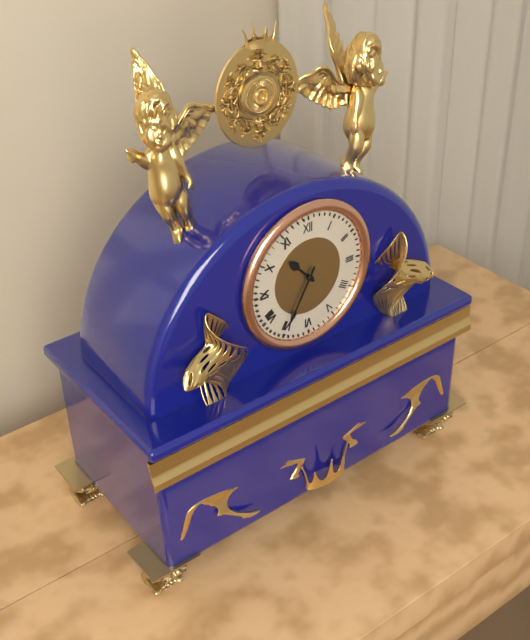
10:35
